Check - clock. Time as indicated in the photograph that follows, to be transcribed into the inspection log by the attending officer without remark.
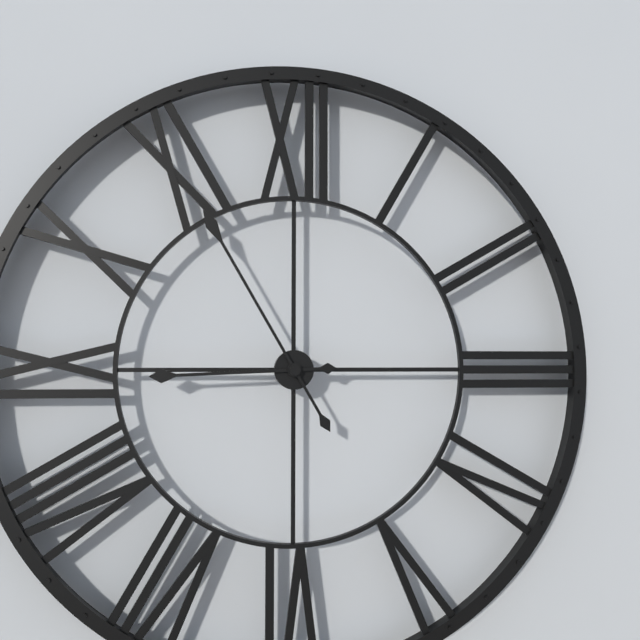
8:55
